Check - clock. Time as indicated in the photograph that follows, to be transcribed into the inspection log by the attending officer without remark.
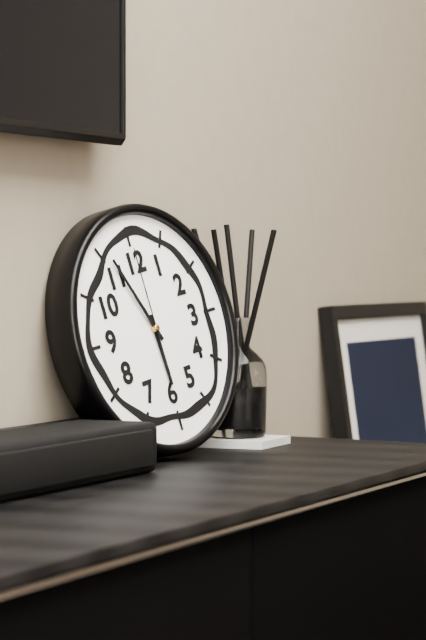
5:56:00
